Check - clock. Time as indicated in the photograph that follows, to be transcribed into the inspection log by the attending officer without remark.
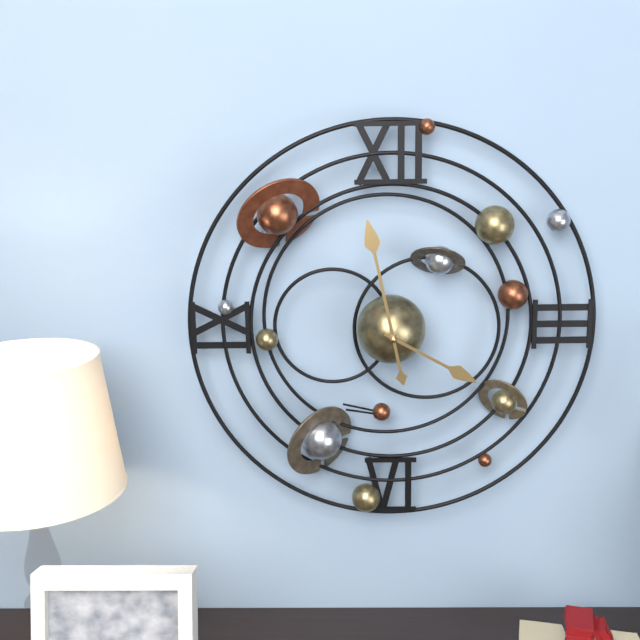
3:58
